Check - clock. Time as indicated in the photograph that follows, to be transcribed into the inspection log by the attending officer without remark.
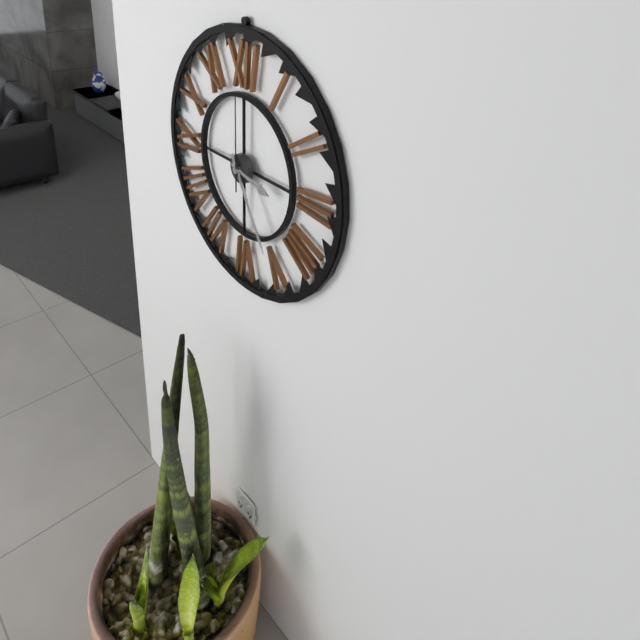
3:25:00
